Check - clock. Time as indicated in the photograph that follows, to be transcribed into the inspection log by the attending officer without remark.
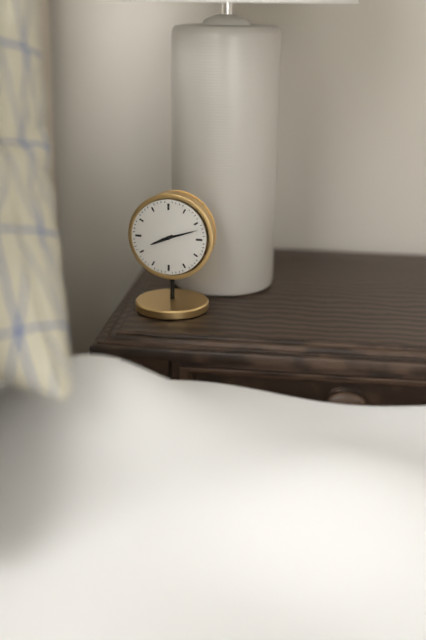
8:12
